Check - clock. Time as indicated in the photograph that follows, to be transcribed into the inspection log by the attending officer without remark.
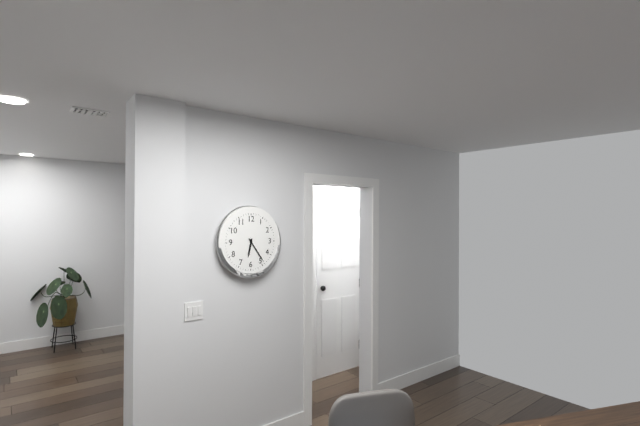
6:24
